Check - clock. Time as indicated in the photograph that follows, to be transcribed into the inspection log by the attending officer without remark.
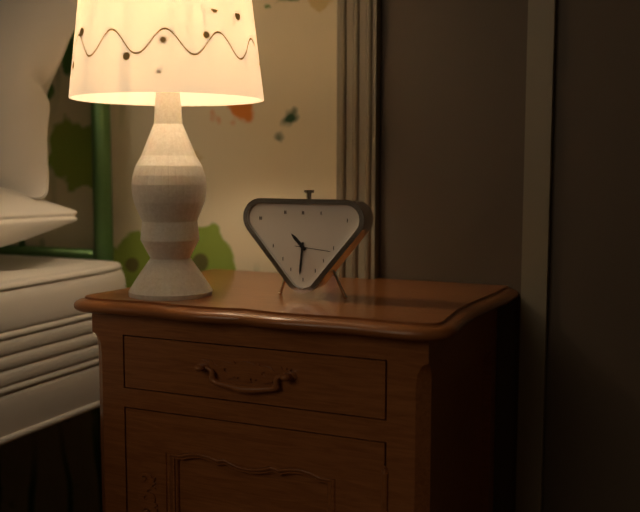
10:31
